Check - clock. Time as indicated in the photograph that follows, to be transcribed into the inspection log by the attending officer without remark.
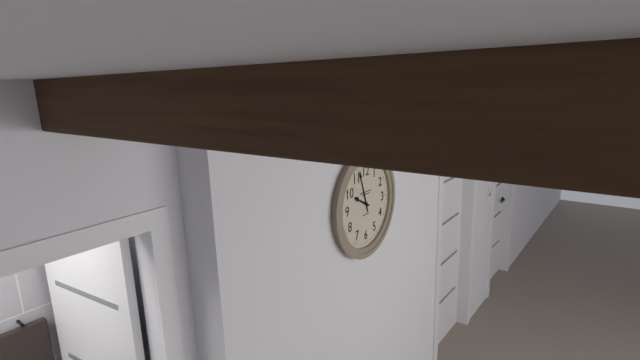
9:57
